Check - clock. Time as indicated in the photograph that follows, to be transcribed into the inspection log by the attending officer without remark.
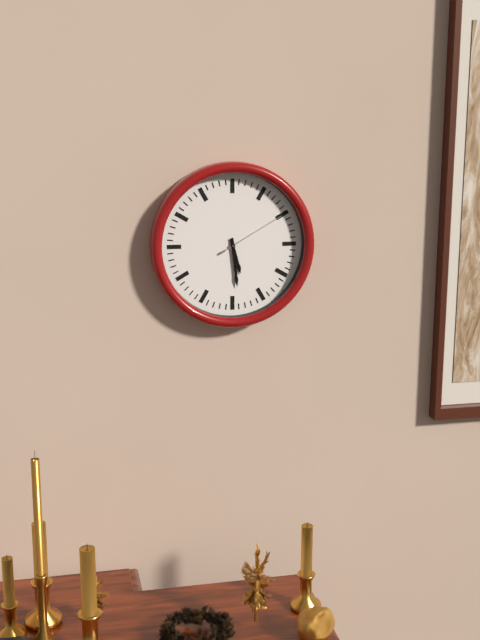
5:29:10
